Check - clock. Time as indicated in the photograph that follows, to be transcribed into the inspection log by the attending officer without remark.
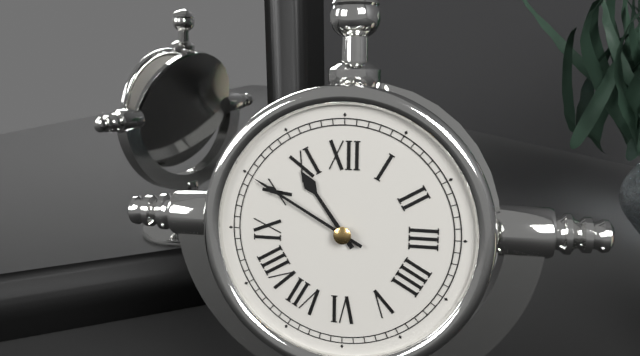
10:50
